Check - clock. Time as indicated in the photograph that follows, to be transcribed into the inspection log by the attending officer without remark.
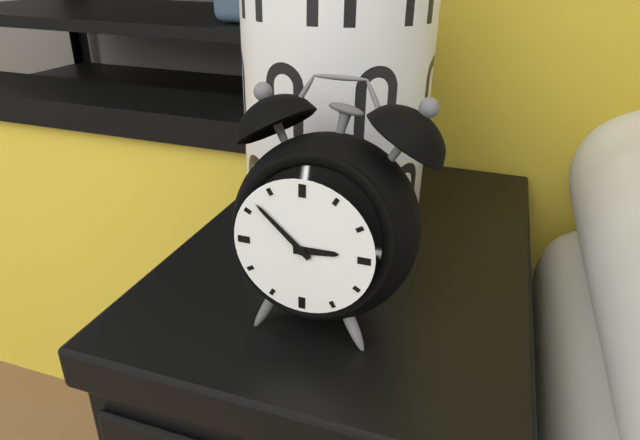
2:52
